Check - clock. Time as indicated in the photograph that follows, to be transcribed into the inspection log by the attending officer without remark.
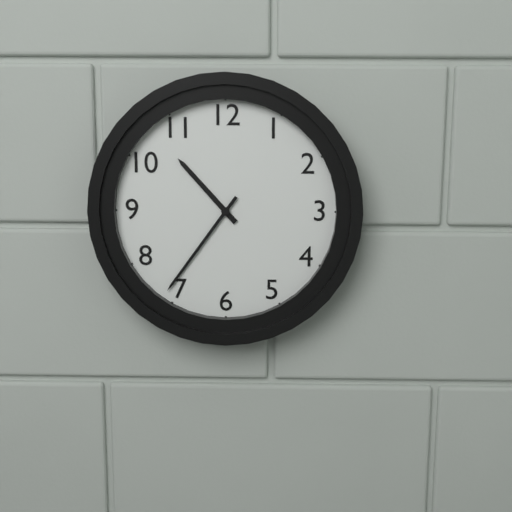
10:36
